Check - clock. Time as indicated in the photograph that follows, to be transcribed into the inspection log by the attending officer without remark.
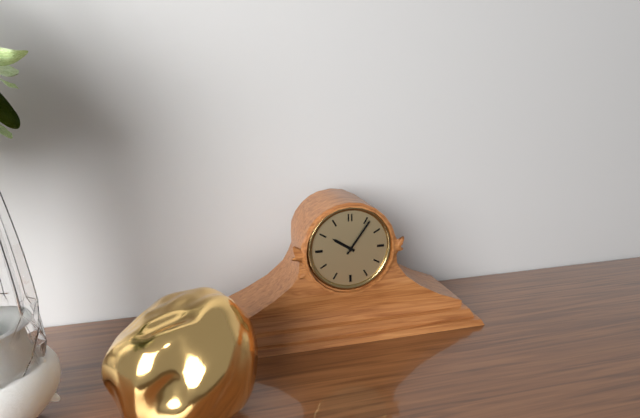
10:06
